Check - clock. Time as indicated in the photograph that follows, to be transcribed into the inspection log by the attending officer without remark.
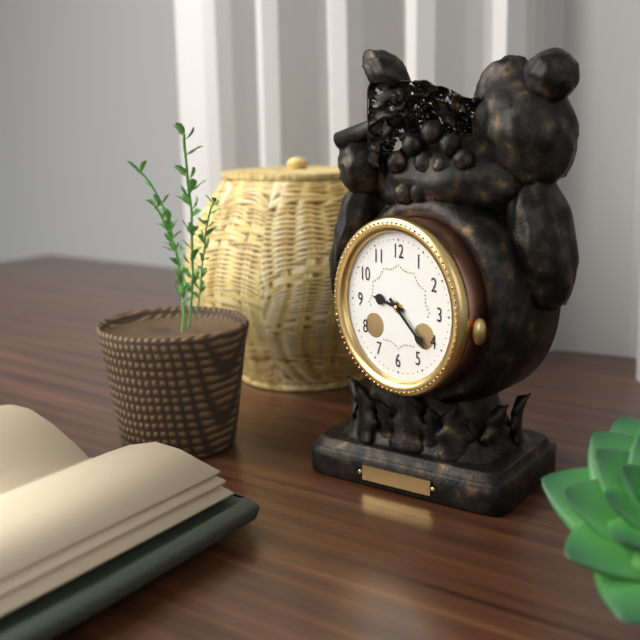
9:22
